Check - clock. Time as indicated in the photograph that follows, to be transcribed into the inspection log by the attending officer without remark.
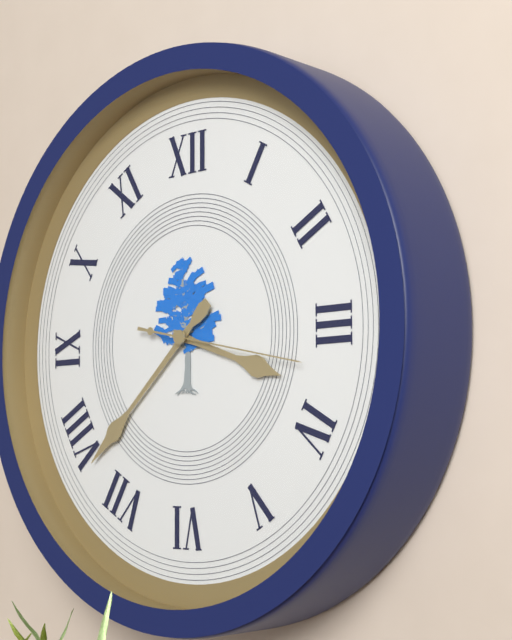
3:38:17
